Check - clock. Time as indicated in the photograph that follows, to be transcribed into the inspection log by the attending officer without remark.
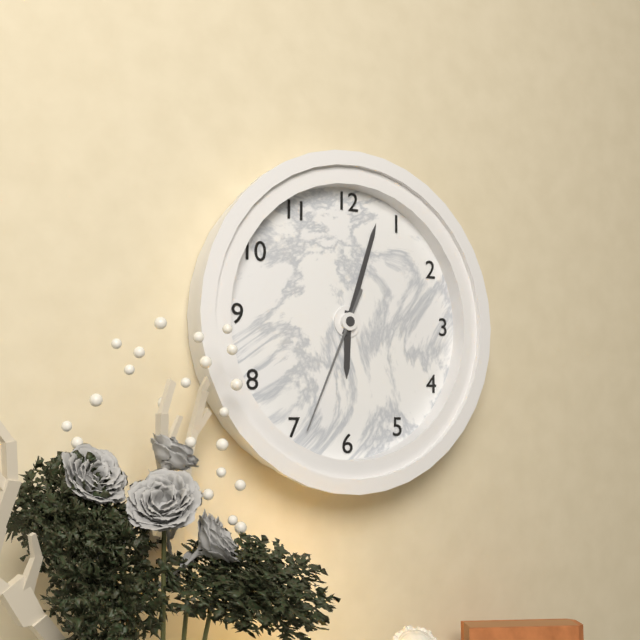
6:03:34
